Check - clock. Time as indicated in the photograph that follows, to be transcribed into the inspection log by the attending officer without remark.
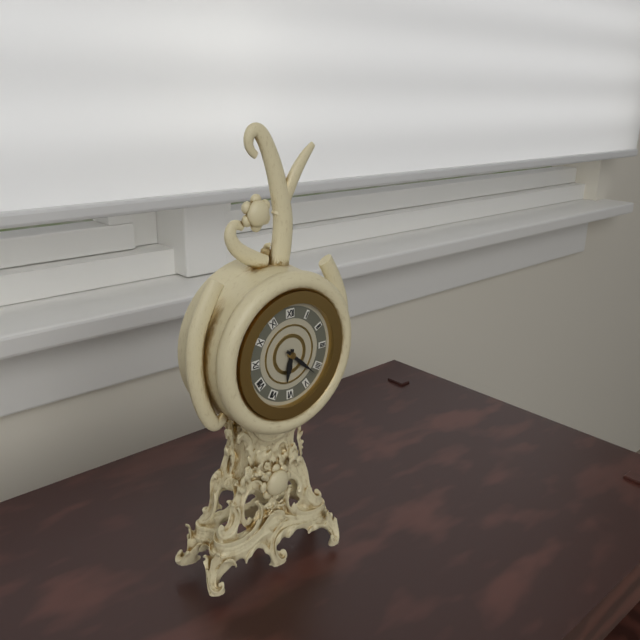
6:22
